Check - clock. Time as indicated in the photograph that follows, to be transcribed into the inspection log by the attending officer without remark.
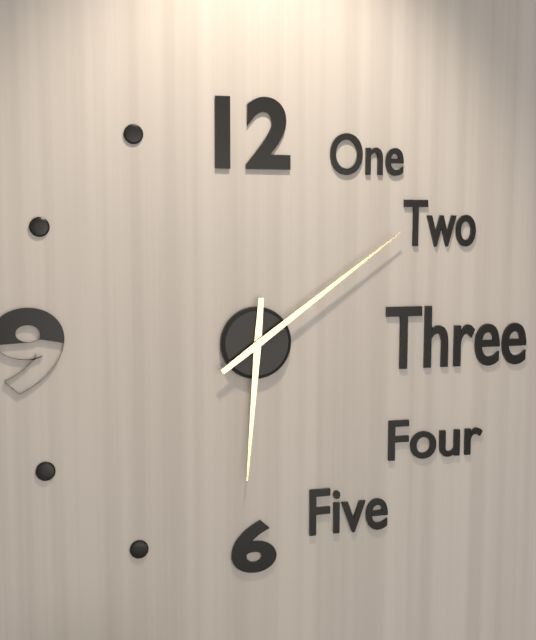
6:09
